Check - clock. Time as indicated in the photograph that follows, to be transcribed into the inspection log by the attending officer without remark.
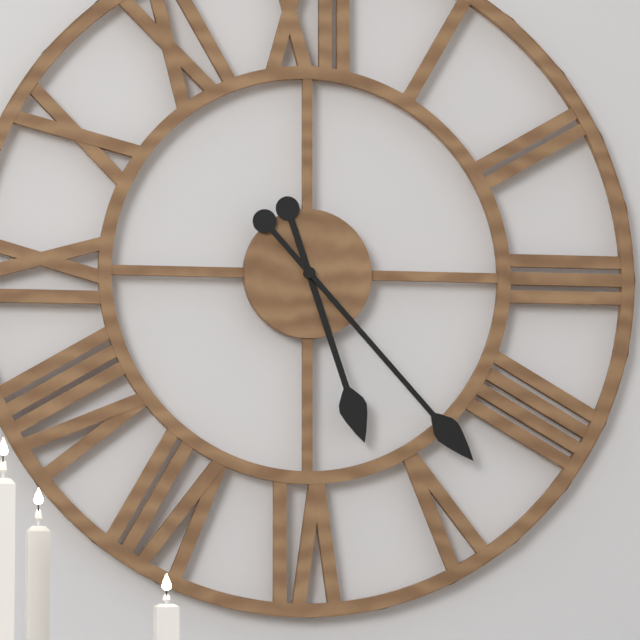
5:23
